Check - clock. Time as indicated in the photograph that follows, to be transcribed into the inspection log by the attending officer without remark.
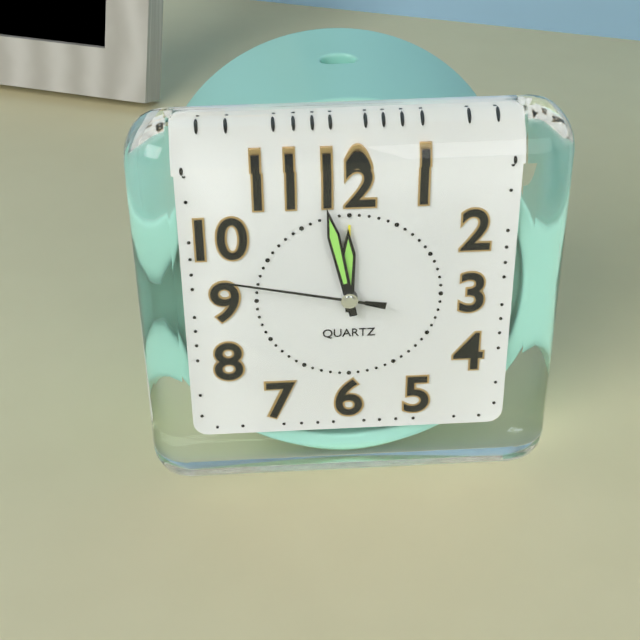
11:58:47
